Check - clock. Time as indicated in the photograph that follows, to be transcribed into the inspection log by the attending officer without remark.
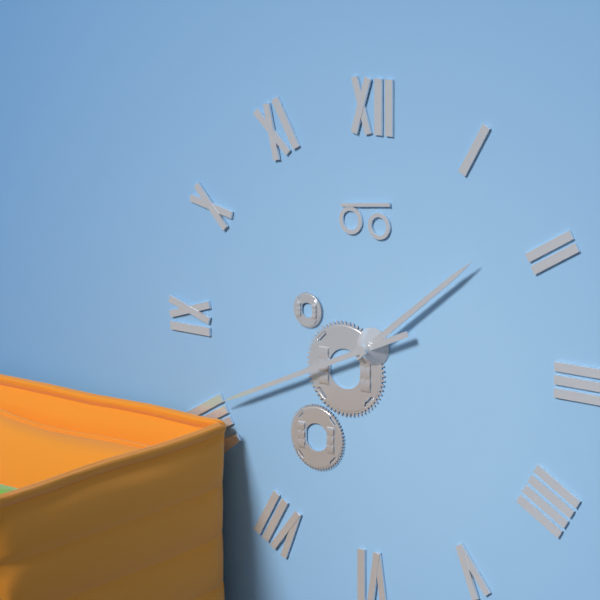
1:41
